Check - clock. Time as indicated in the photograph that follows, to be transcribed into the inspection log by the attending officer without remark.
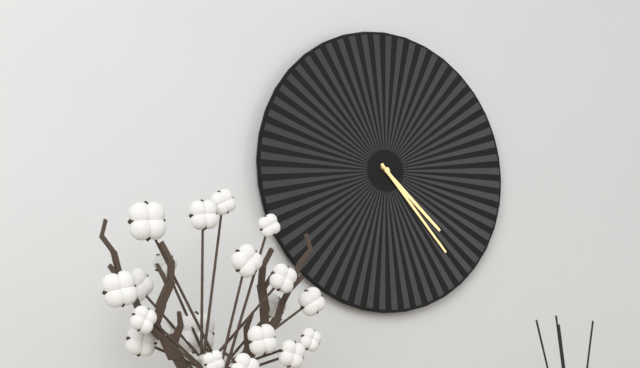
4:23
